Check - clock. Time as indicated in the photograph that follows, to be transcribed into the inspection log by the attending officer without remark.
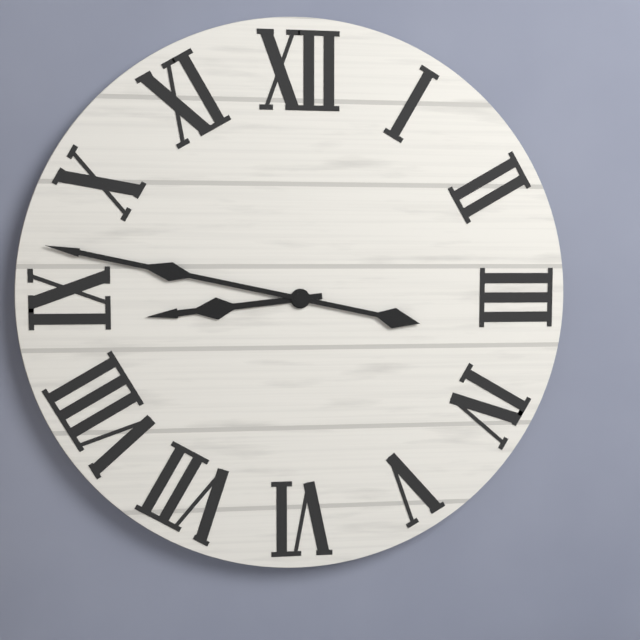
8:47
